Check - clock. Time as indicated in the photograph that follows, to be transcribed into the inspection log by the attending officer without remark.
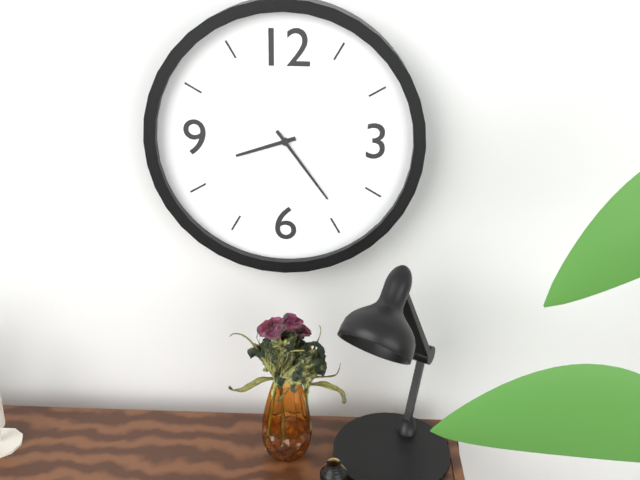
8:24
